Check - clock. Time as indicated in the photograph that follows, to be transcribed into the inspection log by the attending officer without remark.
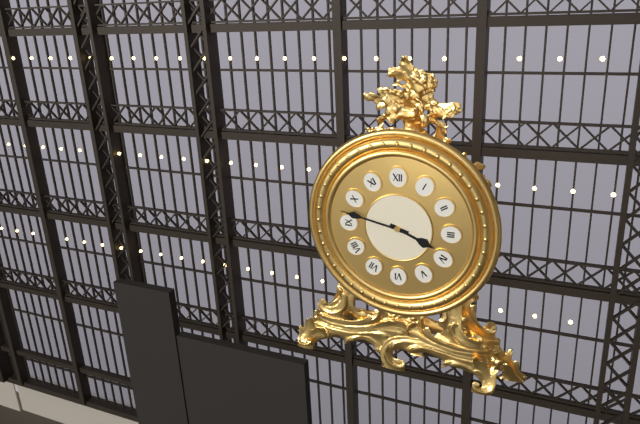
3:47
